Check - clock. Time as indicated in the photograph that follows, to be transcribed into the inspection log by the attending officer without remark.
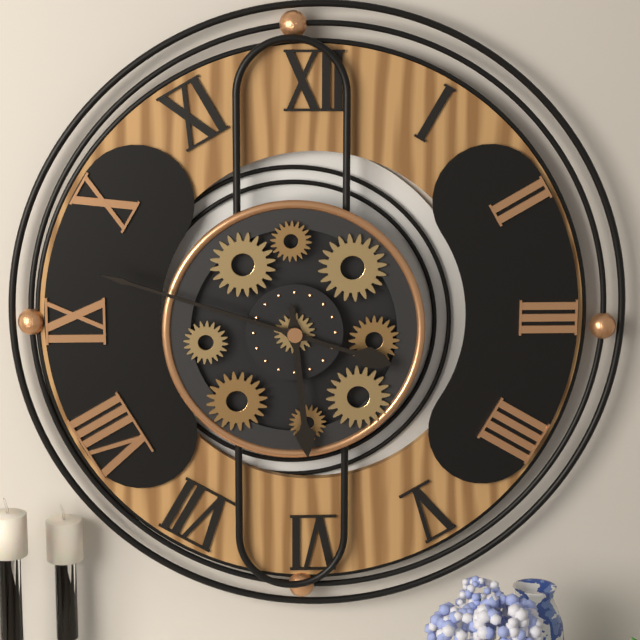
5:48
